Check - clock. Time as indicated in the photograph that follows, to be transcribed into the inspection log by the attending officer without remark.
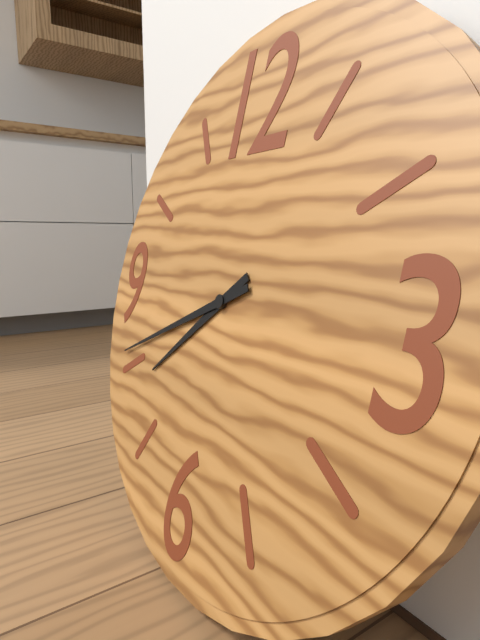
7:41
